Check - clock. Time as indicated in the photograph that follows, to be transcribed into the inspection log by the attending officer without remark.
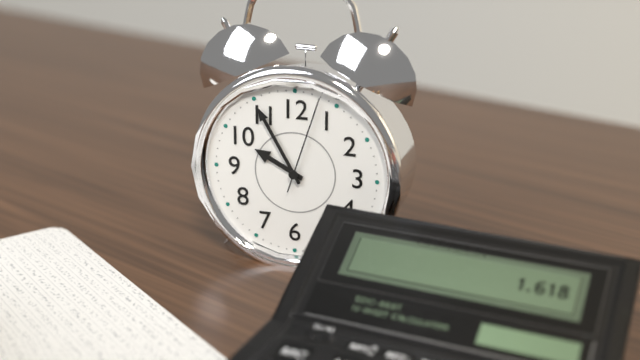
9:55:03
